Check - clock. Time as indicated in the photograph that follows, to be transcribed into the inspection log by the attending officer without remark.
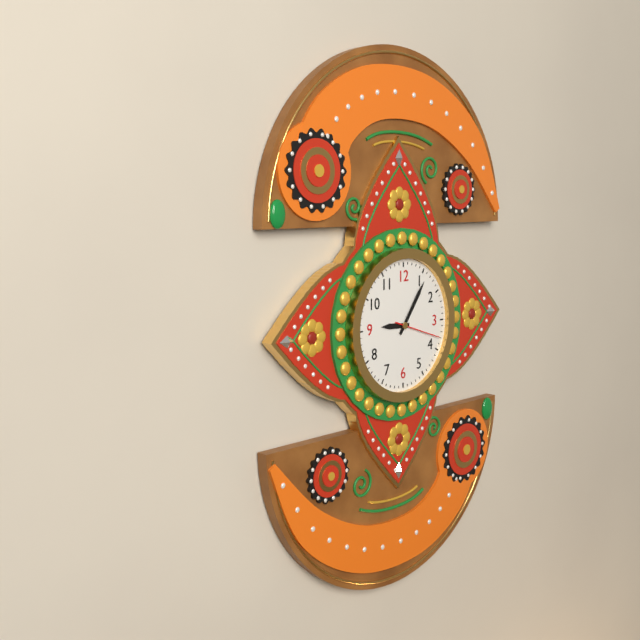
9:06:18
